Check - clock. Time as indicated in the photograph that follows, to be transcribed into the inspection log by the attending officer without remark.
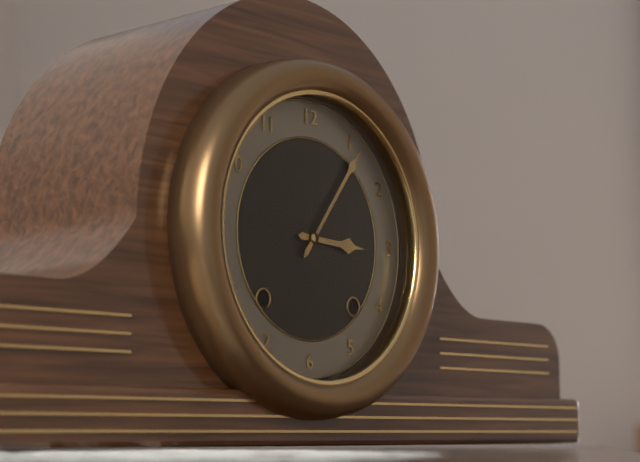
3:06
